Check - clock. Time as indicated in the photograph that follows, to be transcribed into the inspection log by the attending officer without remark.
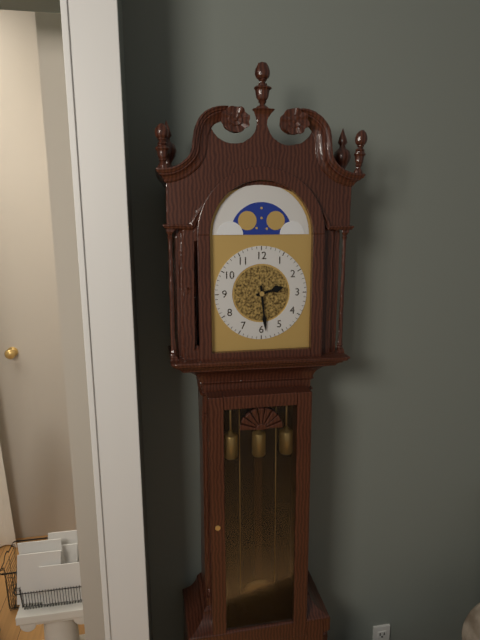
2:29
